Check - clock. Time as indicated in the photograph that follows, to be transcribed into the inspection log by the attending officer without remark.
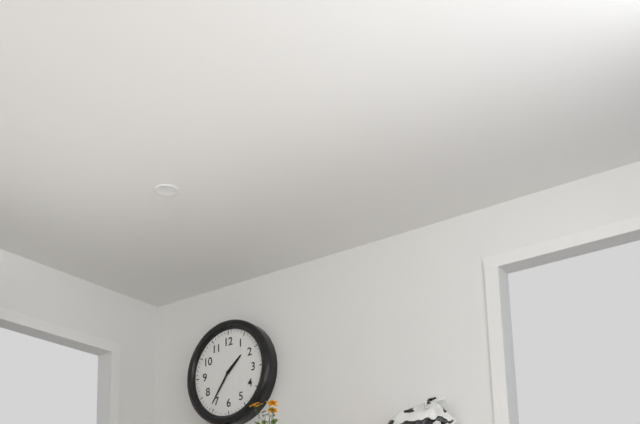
1:36
